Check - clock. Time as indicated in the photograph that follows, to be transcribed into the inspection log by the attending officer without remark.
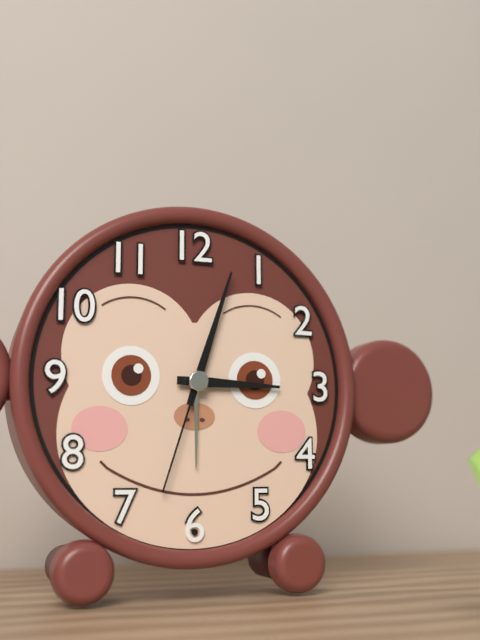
3:03:33
